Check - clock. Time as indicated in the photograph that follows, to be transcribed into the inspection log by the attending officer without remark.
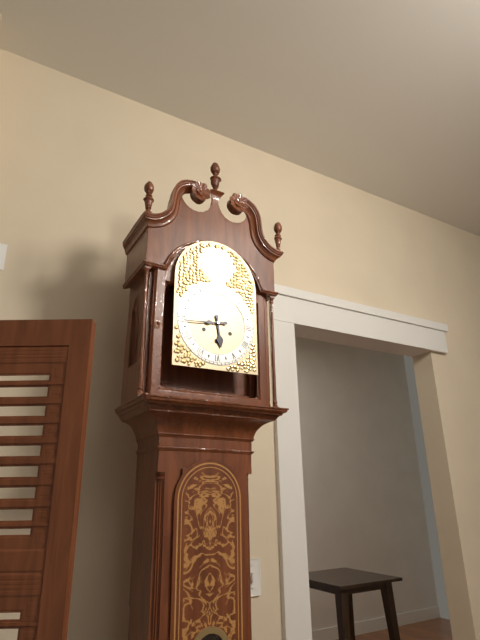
5:44
